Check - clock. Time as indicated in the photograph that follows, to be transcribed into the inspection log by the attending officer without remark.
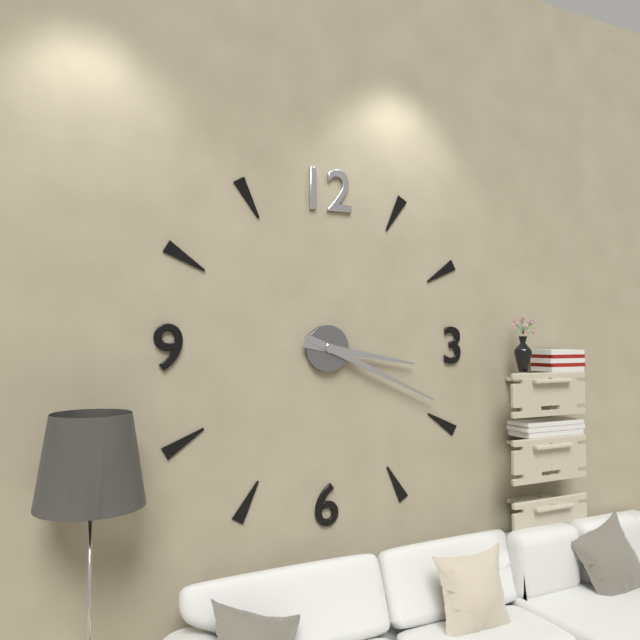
3:19
